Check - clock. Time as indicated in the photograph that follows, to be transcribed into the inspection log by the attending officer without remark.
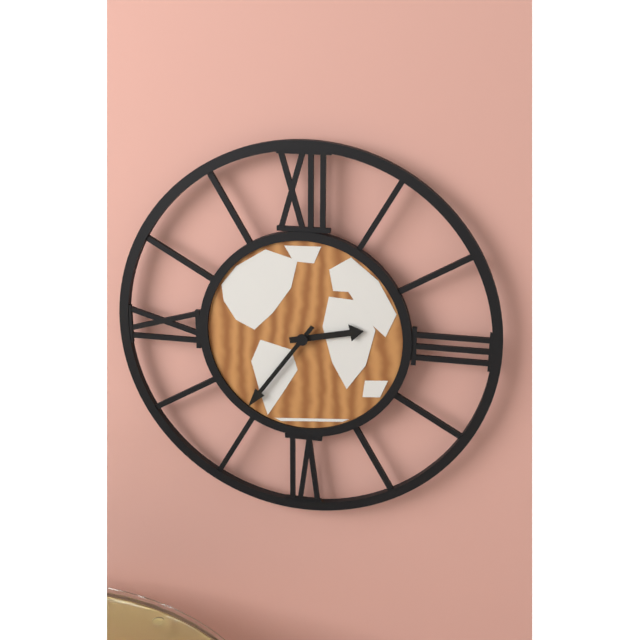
2:36
